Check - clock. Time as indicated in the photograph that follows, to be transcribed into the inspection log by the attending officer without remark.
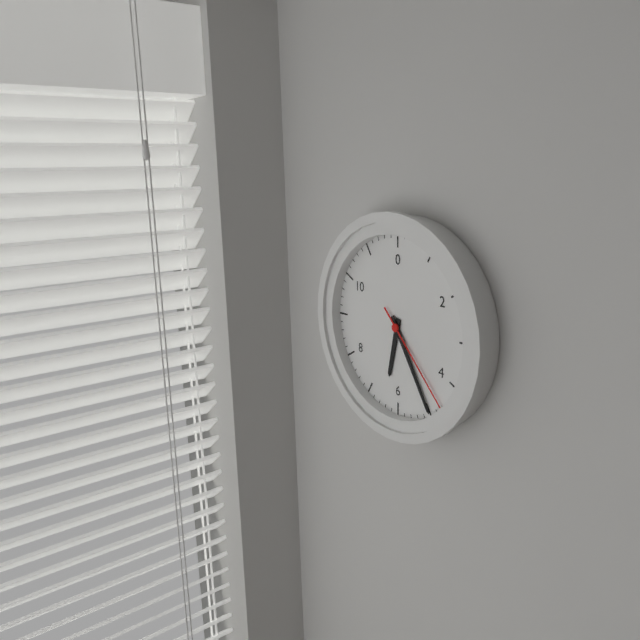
6:25:23
